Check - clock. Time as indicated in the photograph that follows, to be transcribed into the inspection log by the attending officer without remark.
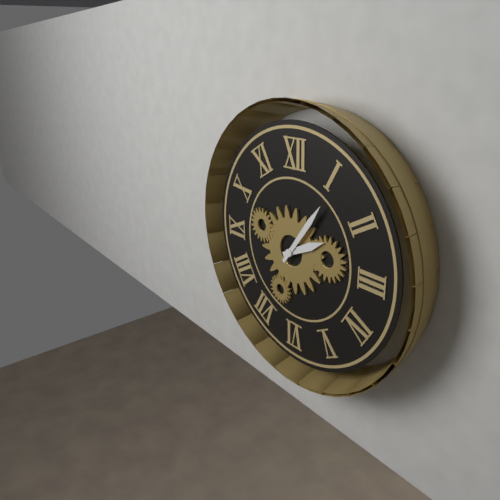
2:06
